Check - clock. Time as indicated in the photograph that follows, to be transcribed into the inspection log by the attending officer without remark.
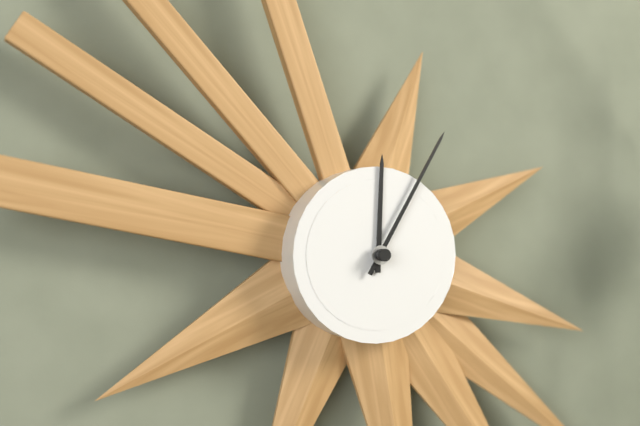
12:05
